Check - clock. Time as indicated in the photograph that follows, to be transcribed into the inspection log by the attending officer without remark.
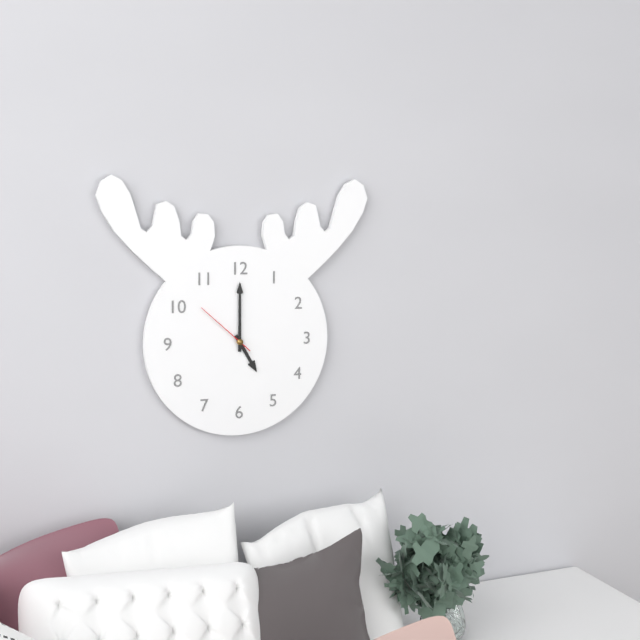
5:00:52
